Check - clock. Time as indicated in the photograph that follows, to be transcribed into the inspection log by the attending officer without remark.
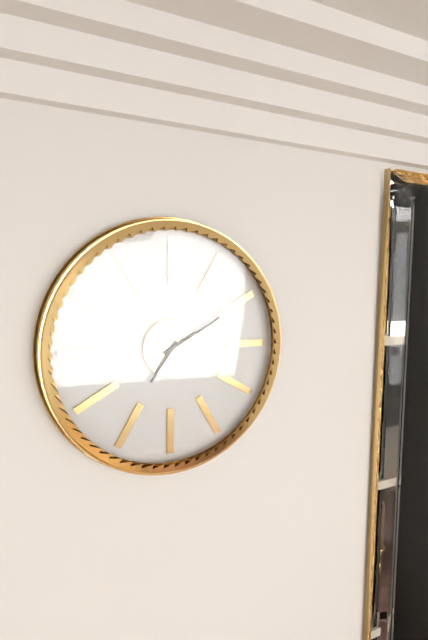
7:10
